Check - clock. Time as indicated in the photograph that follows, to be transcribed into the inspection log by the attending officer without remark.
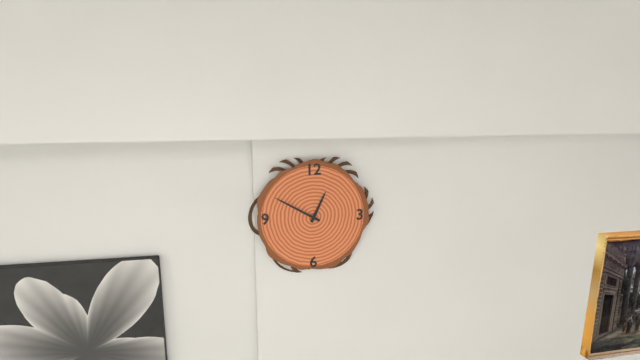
12:50
